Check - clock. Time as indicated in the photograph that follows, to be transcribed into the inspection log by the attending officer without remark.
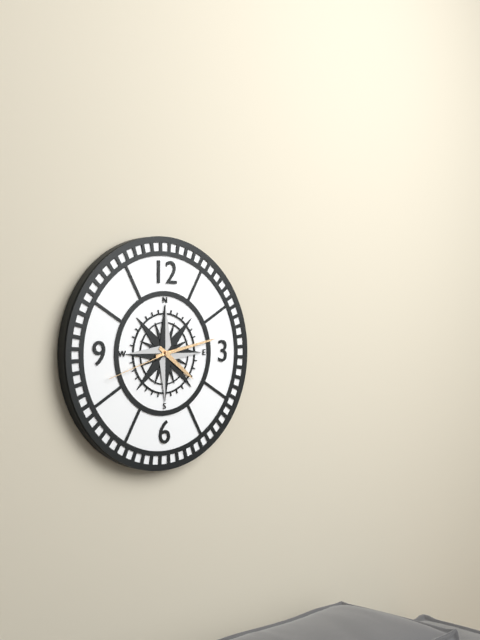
4:13:42
